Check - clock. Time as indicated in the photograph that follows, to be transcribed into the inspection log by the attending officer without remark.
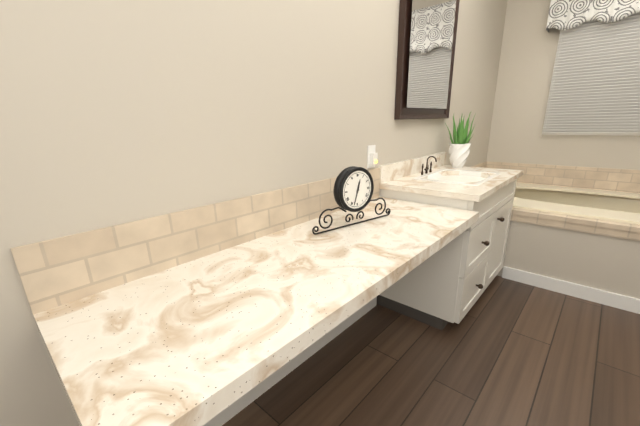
12:33
